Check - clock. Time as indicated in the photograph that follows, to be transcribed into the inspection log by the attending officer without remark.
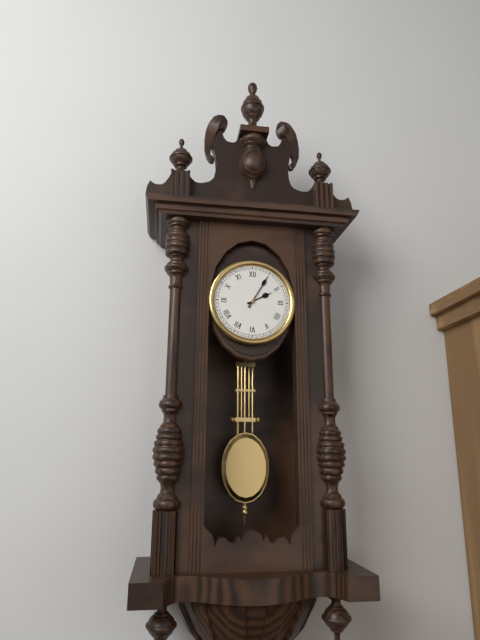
2:05
